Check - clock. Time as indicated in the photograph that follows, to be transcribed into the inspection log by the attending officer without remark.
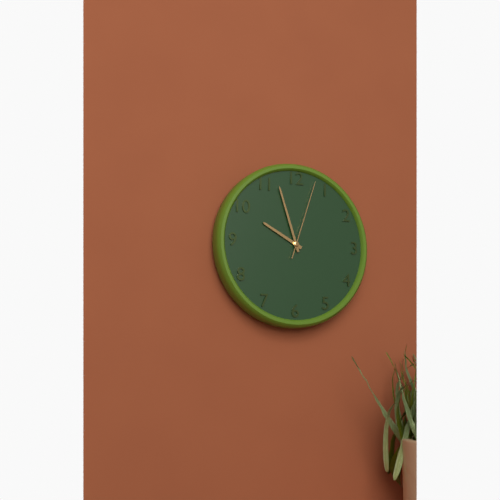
9:57:03
